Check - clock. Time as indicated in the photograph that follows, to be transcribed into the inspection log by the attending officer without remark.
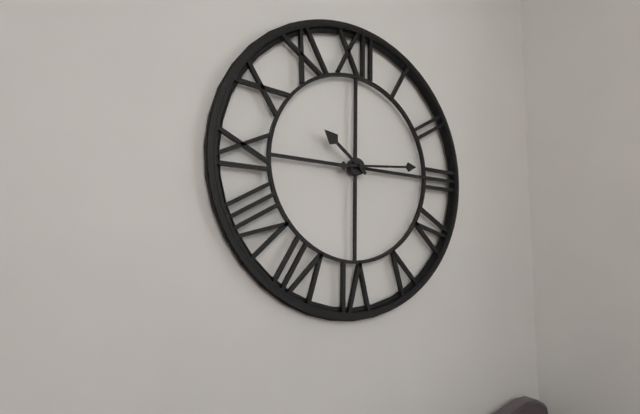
10:14
